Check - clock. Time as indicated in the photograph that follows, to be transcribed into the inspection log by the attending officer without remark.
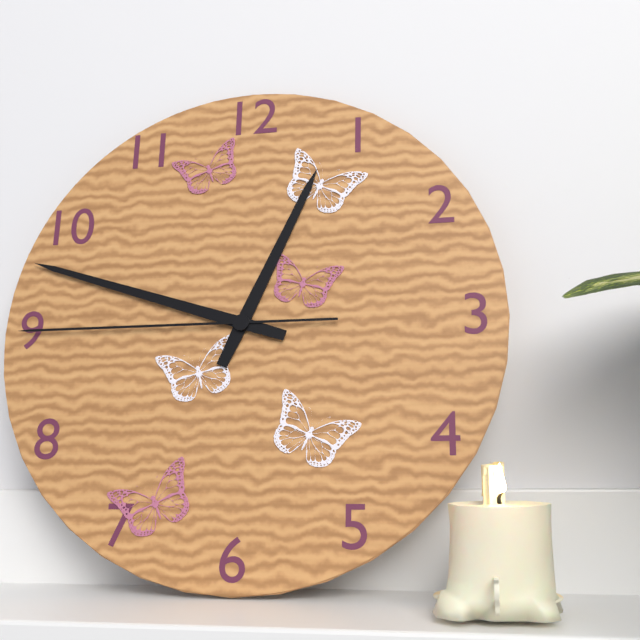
12:48:45
